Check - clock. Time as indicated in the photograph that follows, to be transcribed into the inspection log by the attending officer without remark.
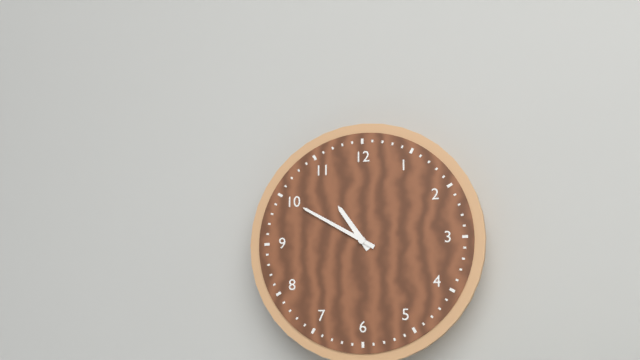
10:50
